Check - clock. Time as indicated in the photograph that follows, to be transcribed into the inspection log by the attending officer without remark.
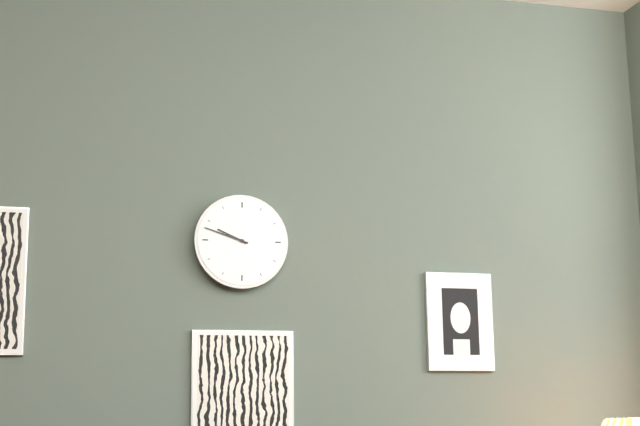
9:48
